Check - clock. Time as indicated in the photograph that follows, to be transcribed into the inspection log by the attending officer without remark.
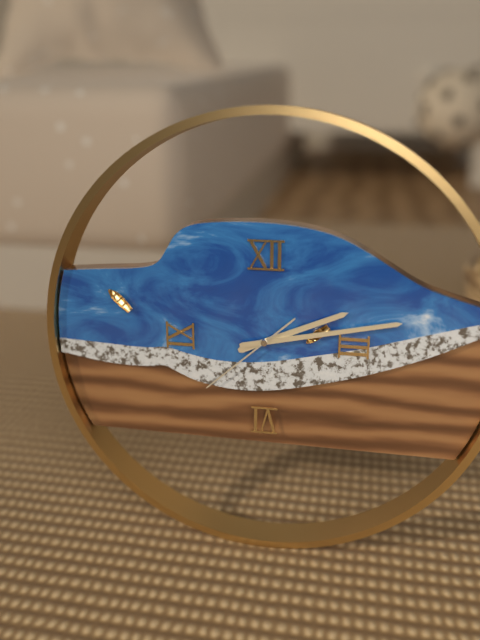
2:13:38
